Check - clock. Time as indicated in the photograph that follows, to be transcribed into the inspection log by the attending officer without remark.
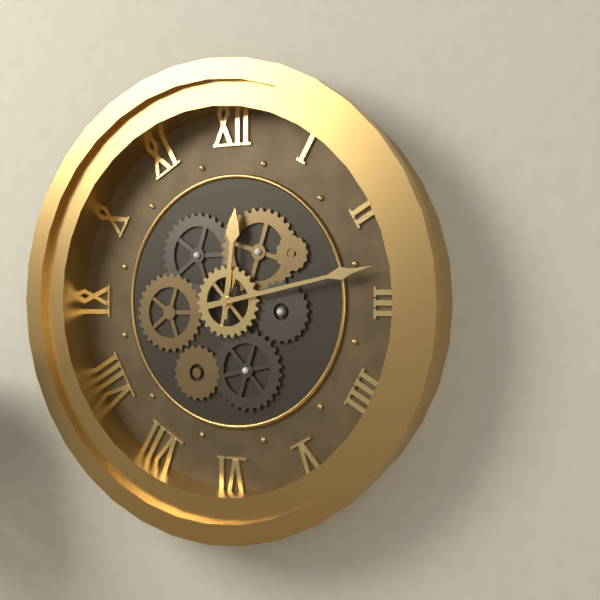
12:13
